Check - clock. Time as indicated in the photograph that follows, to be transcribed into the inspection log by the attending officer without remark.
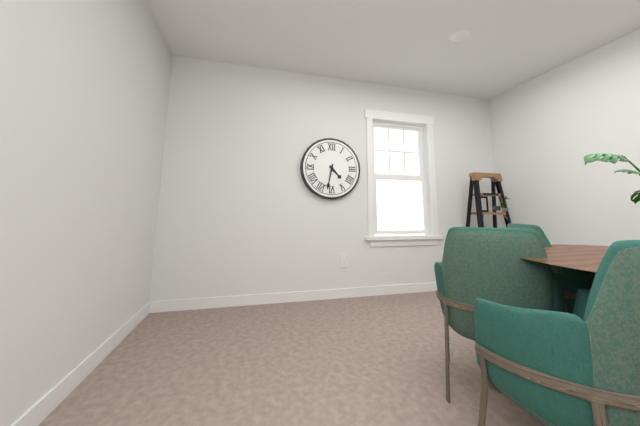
4:32
